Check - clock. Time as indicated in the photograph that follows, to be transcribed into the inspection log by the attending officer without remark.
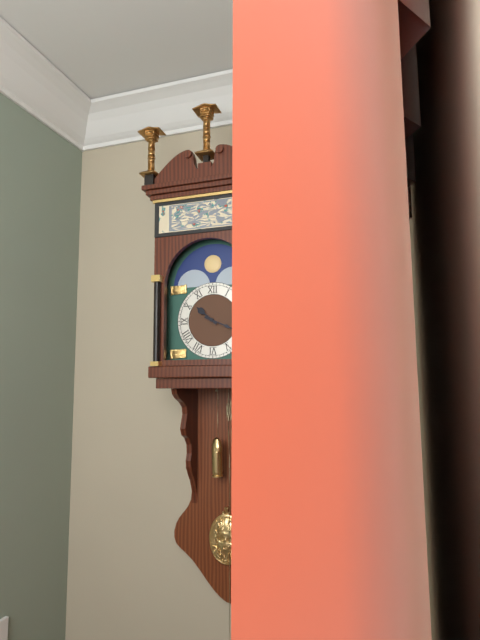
10:19
